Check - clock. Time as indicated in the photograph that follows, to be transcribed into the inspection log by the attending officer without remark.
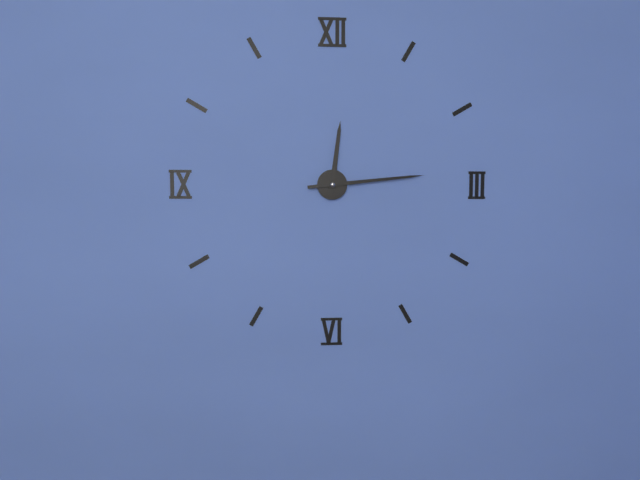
12:14
